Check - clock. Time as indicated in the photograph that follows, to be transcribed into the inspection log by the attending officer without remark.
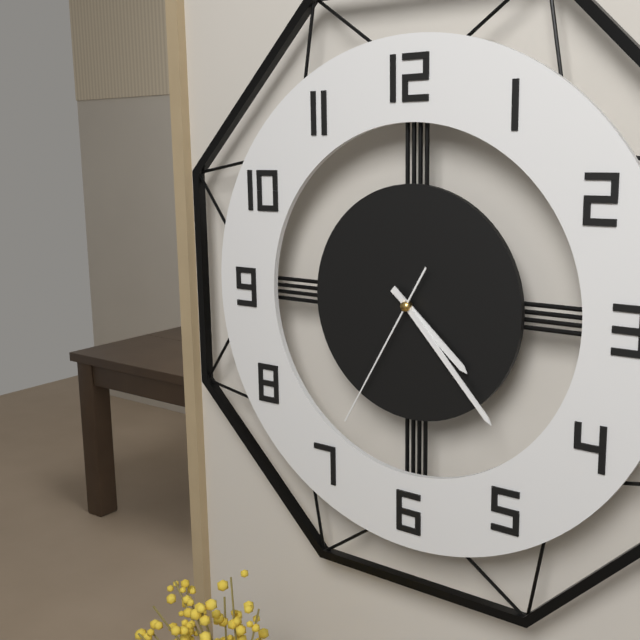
4:23:35
